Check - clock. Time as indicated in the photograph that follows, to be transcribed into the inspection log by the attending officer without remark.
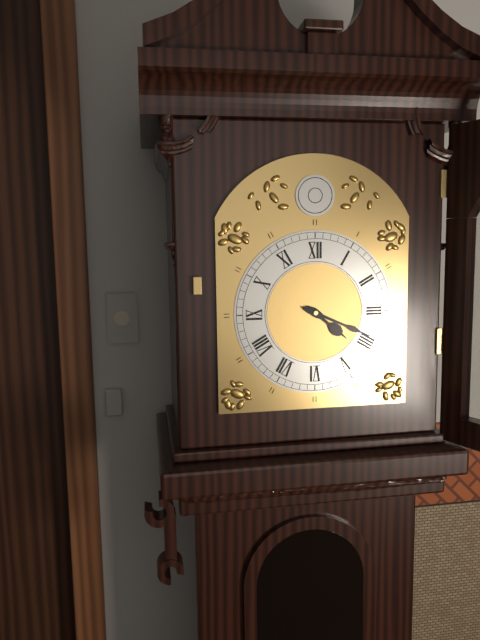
4:19
